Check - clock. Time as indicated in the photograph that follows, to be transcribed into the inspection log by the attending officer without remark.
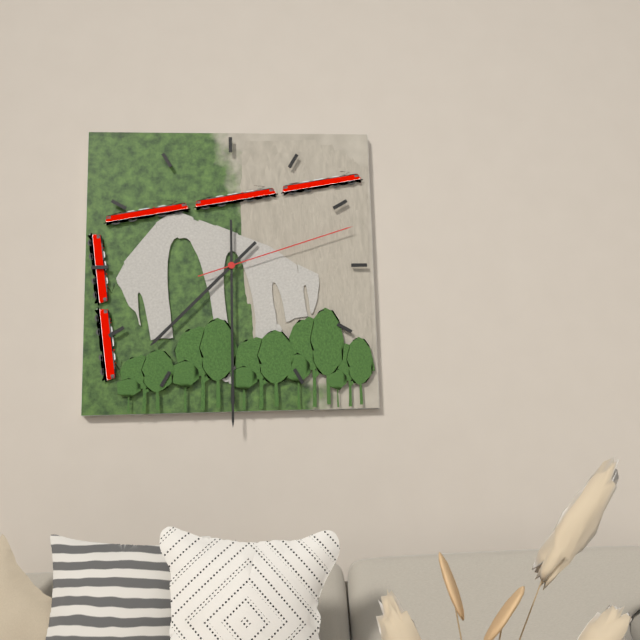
7:30:12
